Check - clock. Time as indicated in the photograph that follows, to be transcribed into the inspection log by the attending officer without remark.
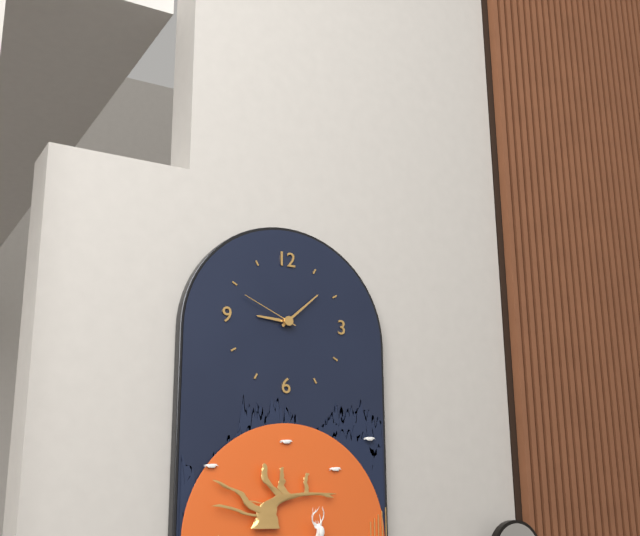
9:08:49
